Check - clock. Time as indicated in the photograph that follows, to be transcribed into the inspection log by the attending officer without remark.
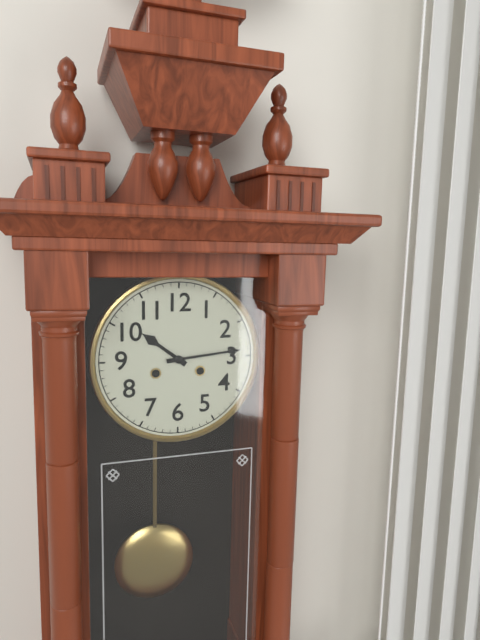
10:14
